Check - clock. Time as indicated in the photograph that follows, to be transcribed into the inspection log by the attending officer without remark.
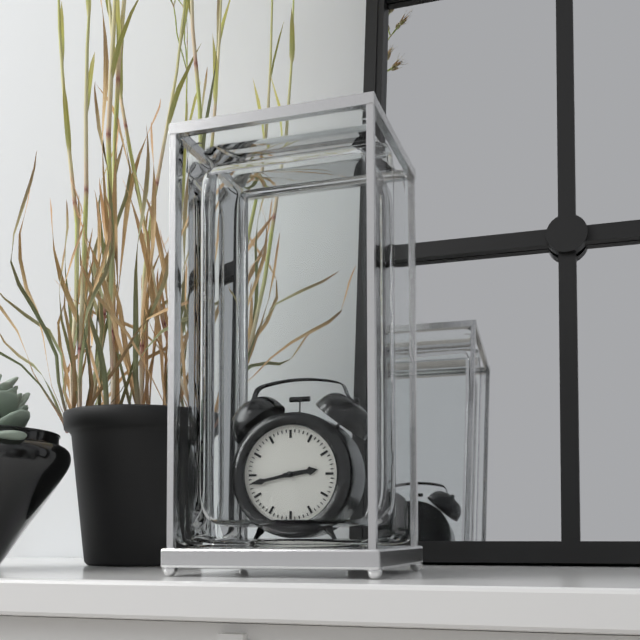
2:43
